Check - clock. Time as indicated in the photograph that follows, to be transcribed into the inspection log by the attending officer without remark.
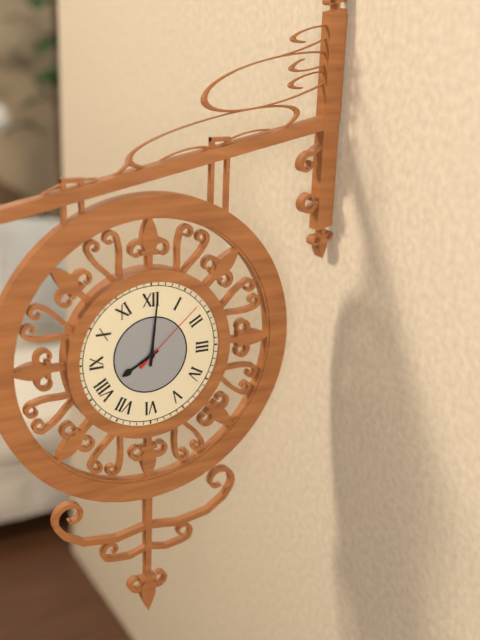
8:01:08
